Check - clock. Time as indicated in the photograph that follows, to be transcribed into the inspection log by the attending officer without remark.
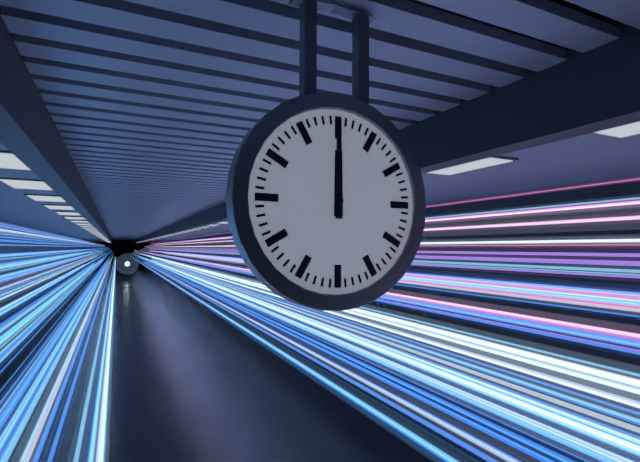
12:00
